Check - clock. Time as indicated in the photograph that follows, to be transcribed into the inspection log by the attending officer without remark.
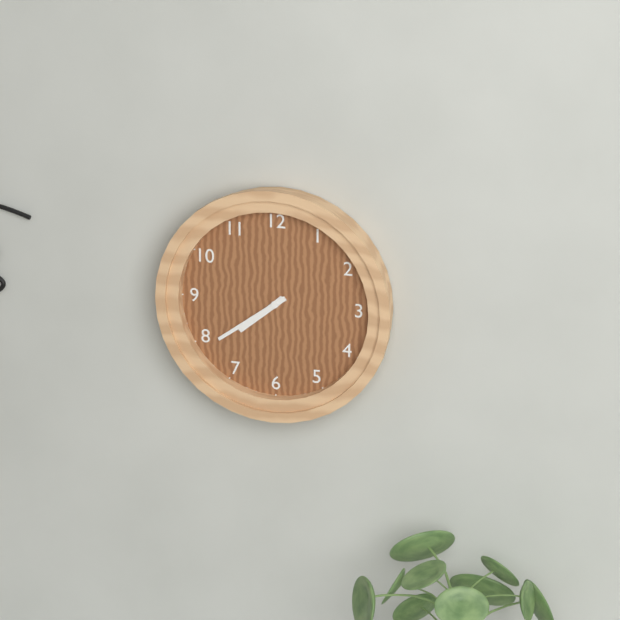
7:39
